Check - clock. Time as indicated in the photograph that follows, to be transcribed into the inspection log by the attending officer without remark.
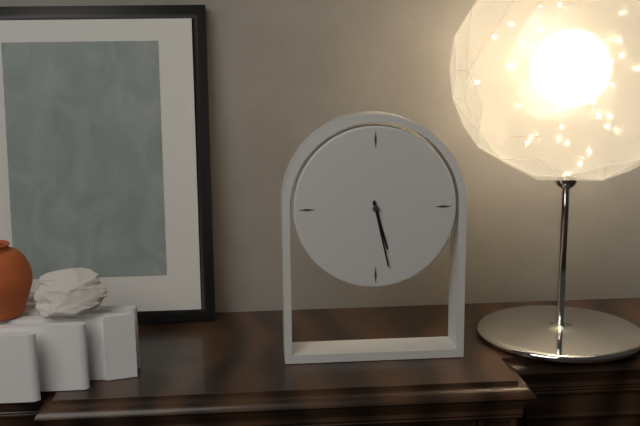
5:28
